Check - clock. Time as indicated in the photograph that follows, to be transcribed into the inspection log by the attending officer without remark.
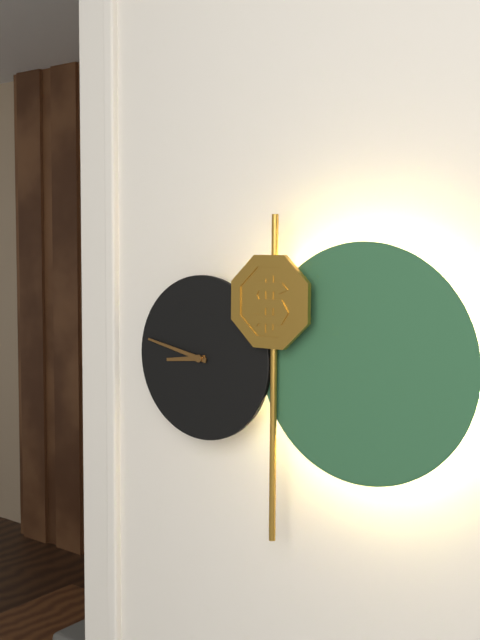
8:47
